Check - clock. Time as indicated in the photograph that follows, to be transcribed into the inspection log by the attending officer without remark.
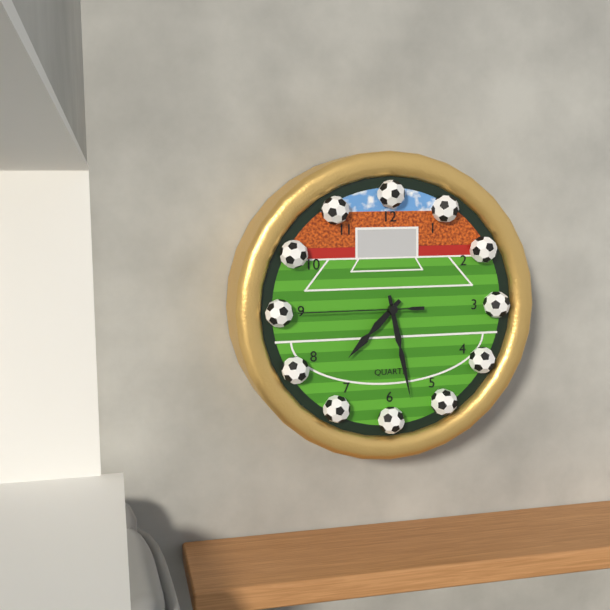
7:28:45
